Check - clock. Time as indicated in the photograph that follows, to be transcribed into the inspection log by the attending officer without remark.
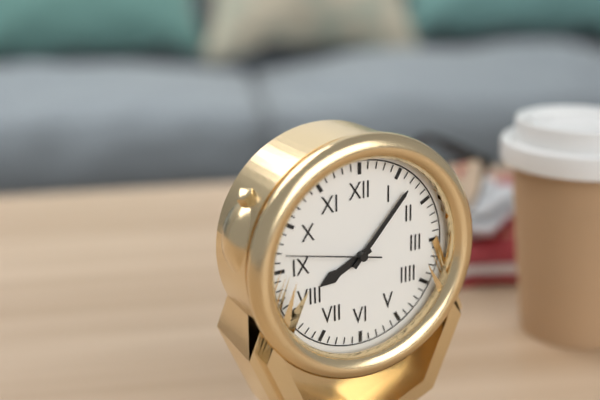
8:07:47
